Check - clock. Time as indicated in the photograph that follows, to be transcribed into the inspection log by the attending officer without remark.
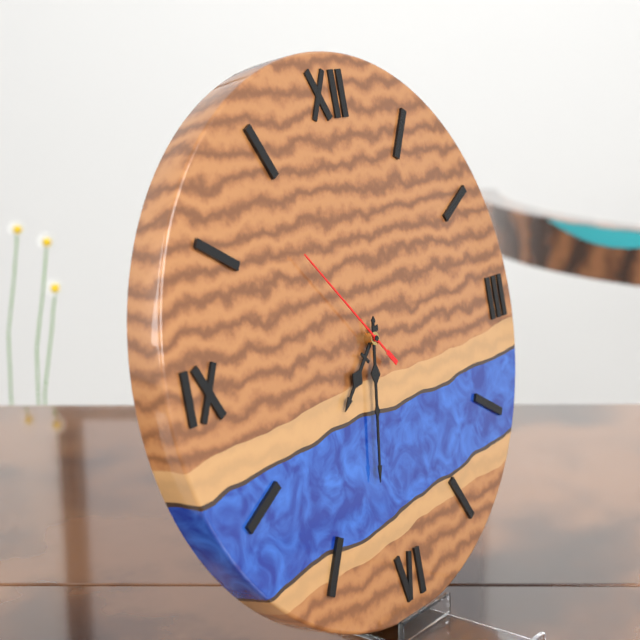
7:32:53
